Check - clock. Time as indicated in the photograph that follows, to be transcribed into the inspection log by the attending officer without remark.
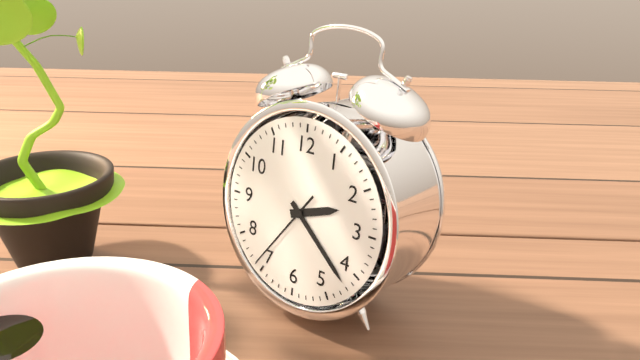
2:22:36
